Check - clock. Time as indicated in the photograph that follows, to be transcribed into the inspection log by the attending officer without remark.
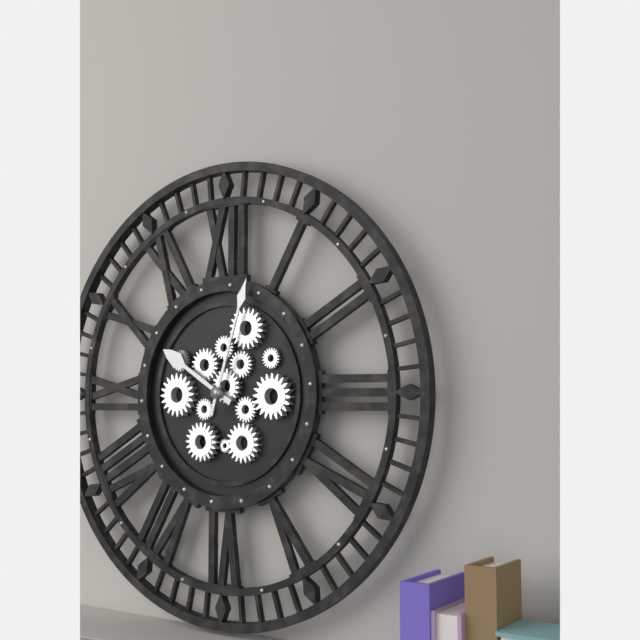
10:03
